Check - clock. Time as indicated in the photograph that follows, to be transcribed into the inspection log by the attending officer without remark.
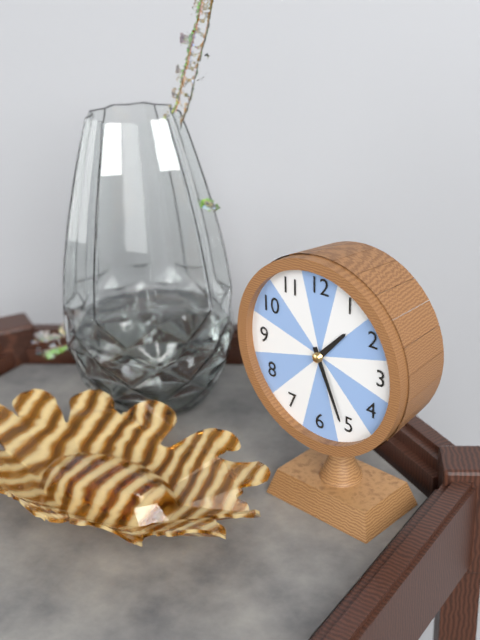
1:26
